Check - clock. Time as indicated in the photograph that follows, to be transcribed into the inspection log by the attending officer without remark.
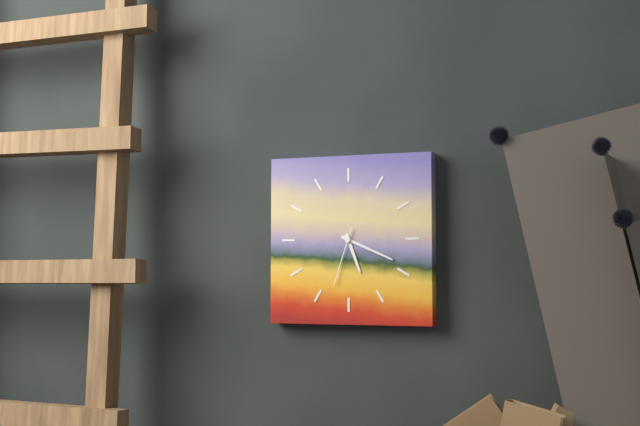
5:19:33
